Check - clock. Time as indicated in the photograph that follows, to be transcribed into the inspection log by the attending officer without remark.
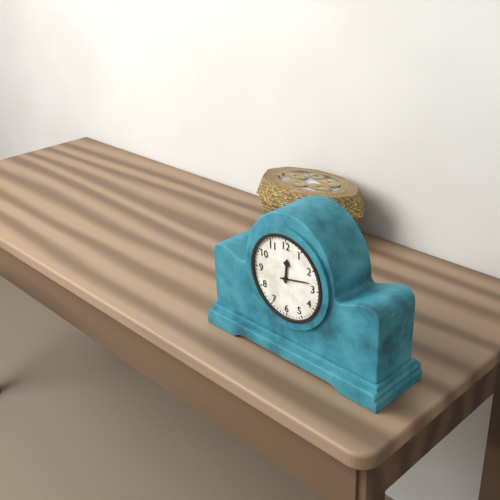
12:13
